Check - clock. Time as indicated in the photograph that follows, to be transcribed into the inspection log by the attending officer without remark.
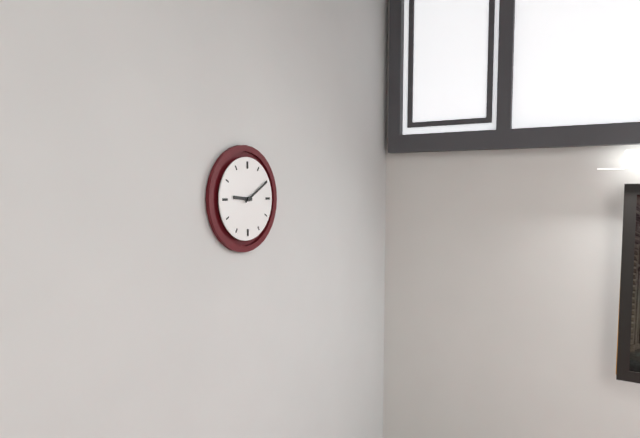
9:10
